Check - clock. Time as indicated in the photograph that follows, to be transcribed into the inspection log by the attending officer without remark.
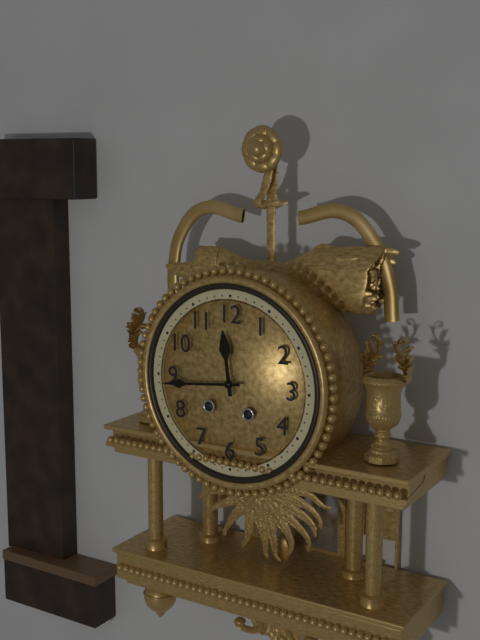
11:44
